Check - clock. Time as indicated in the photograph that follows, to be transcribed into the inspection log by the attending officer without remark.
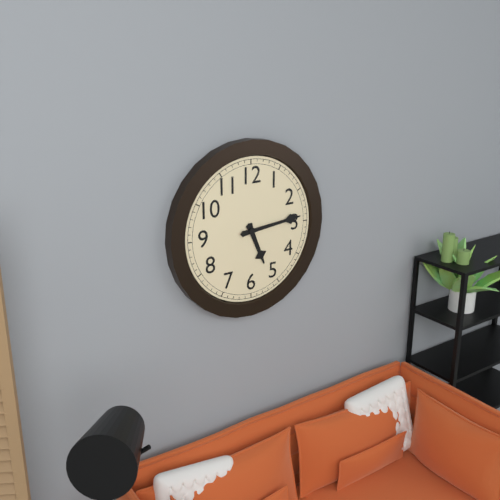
5:14
